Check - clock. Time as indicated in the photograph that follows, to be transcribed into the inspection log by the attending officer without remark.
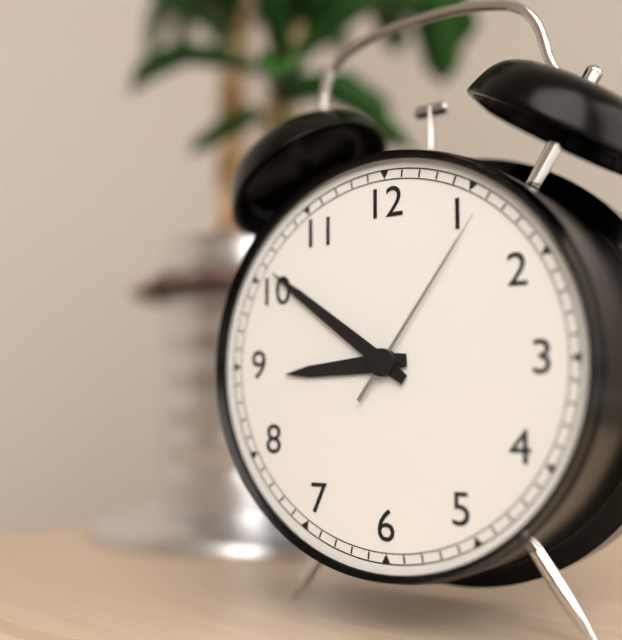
8:51:06
